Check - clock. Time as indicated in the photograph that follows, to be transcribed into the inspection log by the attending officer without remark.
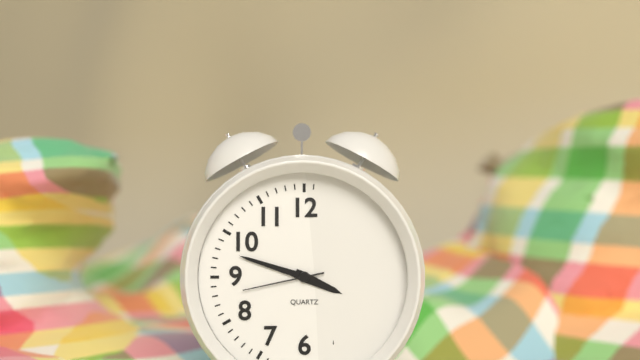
3:48:43
